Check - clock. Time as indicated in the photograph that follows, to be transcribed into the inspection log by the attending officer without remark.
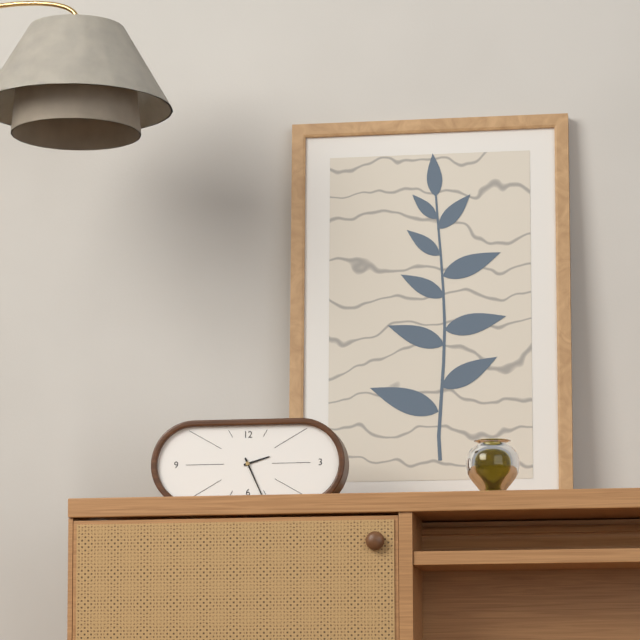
2:26
